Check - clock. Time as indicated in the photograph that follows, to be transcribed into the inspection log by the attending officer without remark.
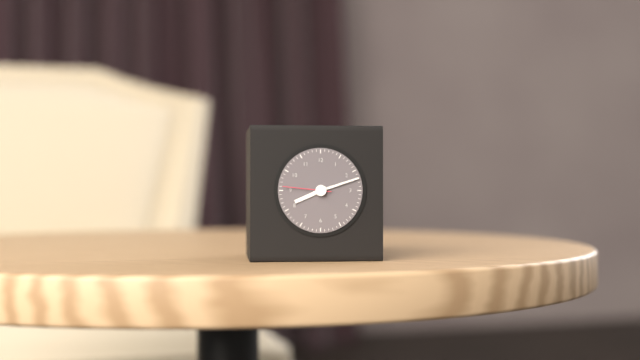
8:12
